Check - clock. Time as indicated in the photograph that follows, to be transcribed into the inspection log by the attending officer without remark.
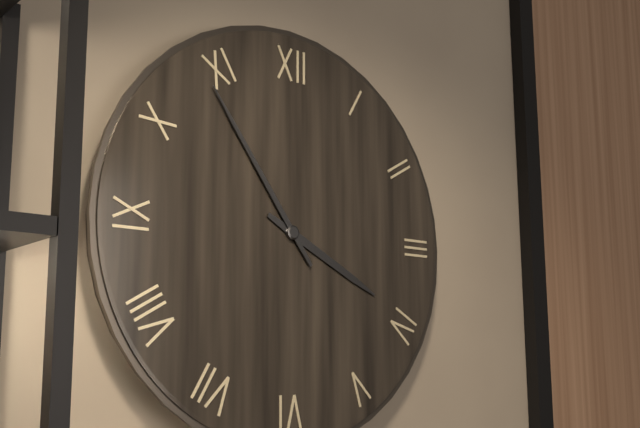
3:54
